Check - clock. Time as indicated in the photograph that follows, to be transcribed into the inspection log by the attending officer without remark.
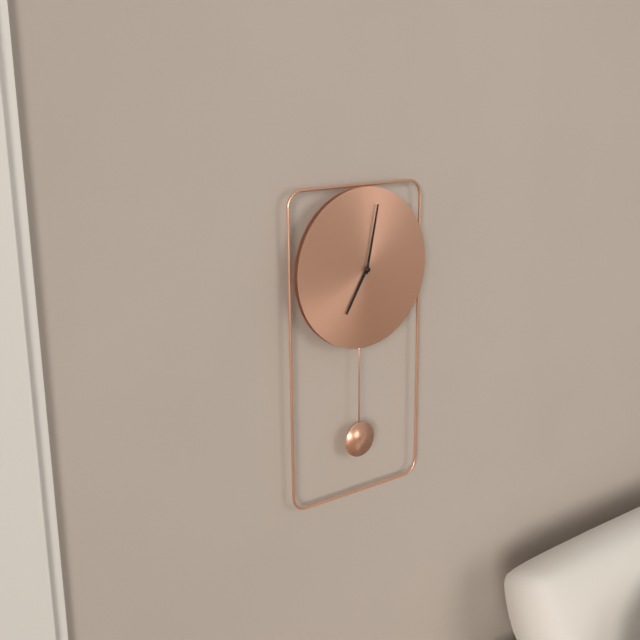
7:02
